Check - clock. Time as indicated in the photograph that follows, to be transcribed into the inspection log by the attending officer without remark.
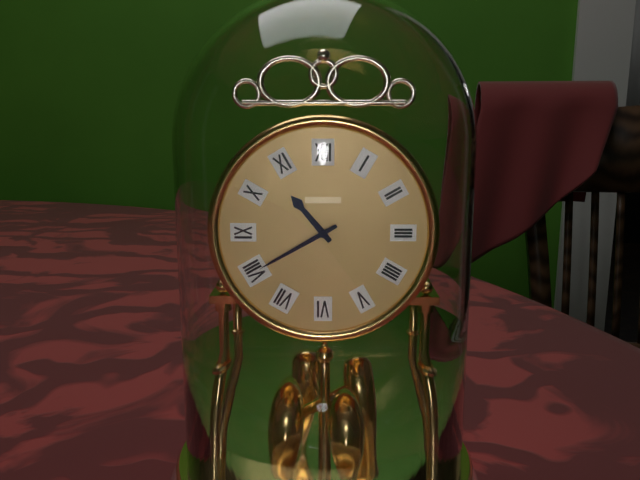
10:40
